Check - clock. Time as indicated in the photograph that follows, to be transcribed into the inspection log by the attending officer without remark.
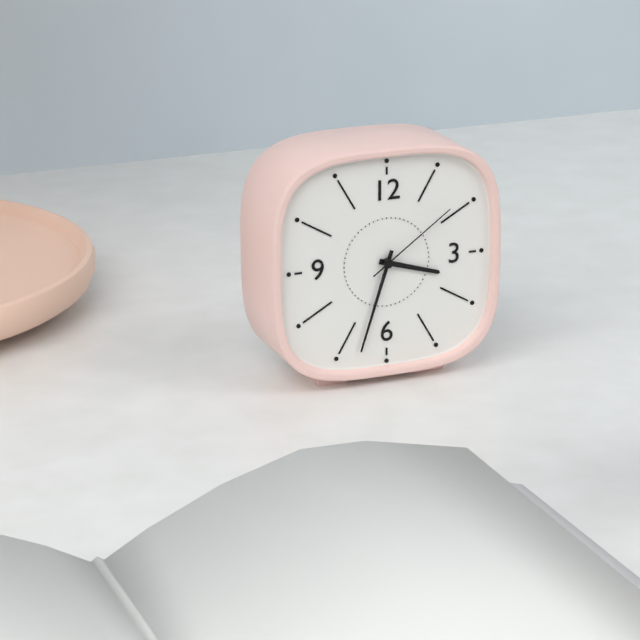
3:33:09
